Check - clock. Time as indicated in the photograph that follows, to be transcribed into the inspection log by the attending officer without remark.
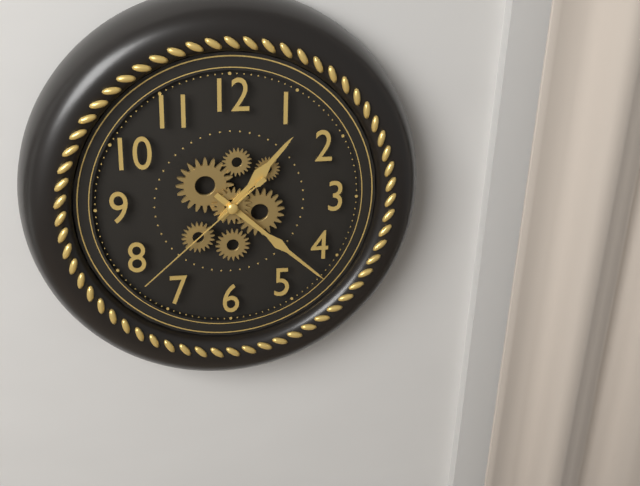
1:22:38
